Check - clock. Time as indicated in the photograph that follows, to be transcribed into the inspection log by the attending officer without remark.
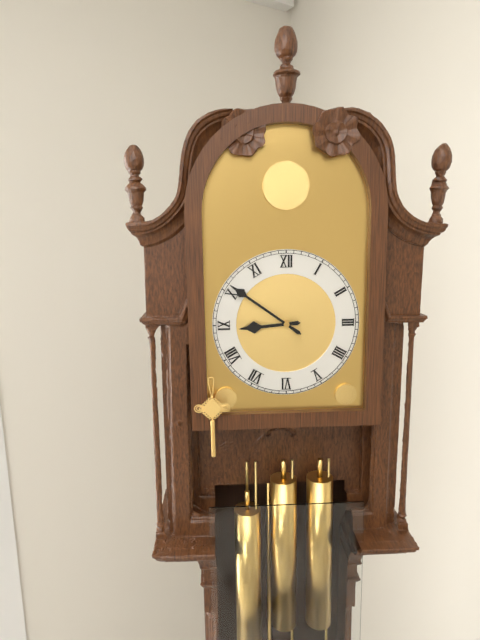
8:51
